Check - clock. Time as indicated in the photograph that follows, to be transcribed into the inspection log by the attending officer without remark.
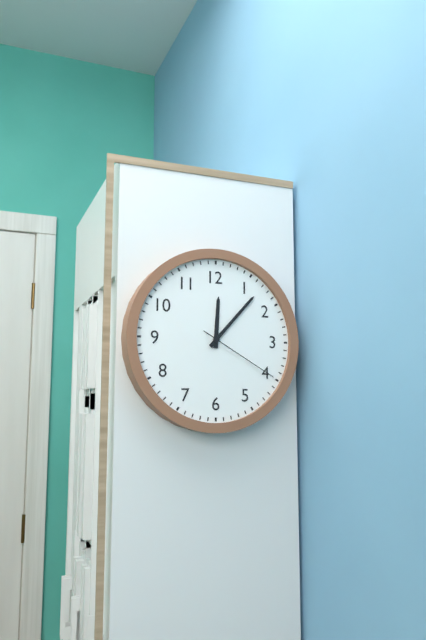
12:07:20
